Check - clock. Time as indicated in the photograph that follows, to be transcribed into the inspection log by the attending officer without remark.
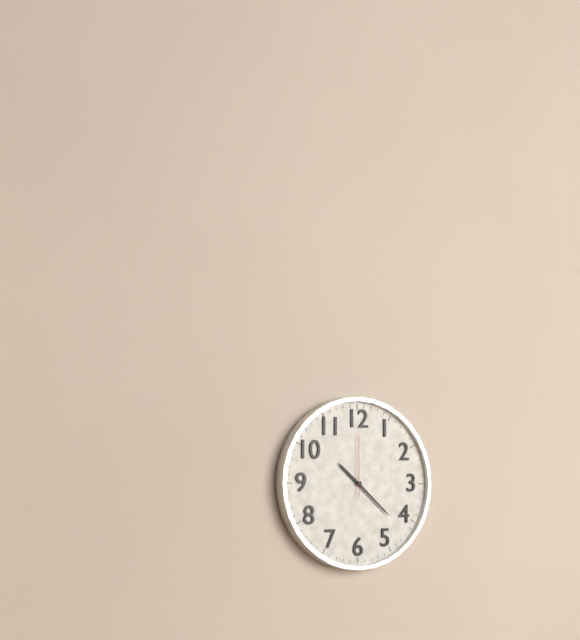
10:22:00
